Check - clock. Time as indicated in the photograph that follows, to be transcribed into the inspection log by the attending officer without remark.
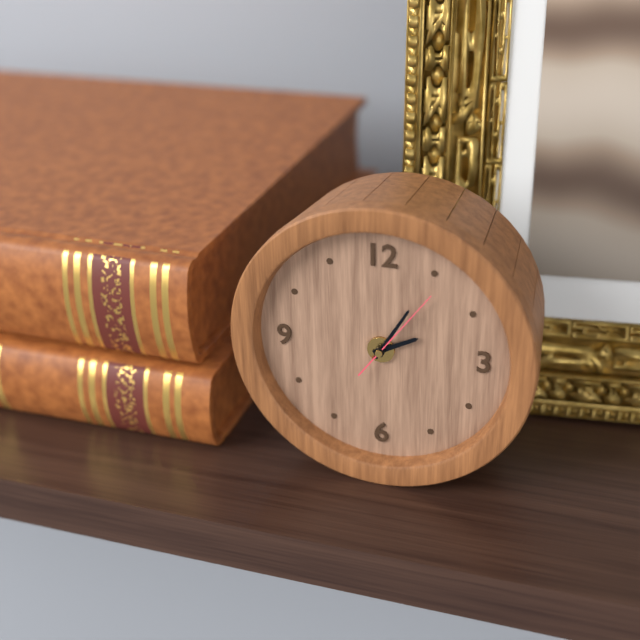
2:05:06
